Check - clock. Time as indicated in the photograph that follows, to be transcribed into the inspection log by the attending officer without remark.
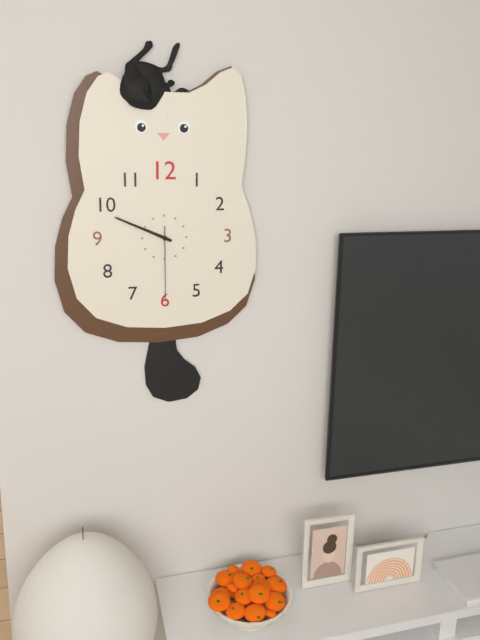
9:49:30
